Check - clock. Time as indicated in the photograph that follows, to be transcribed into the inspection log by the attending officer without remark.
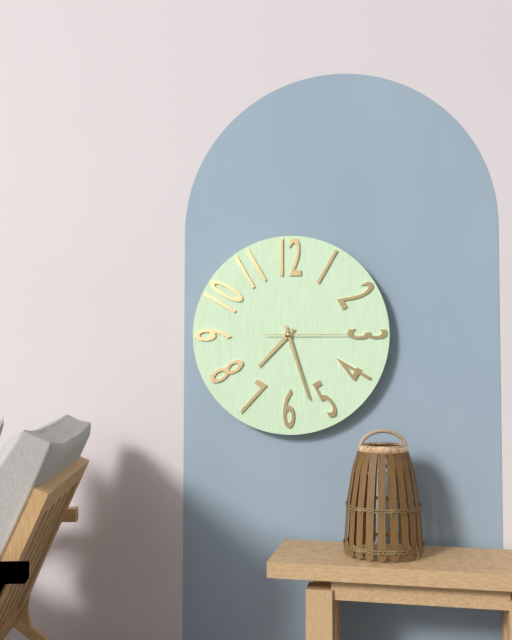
7:27:15
